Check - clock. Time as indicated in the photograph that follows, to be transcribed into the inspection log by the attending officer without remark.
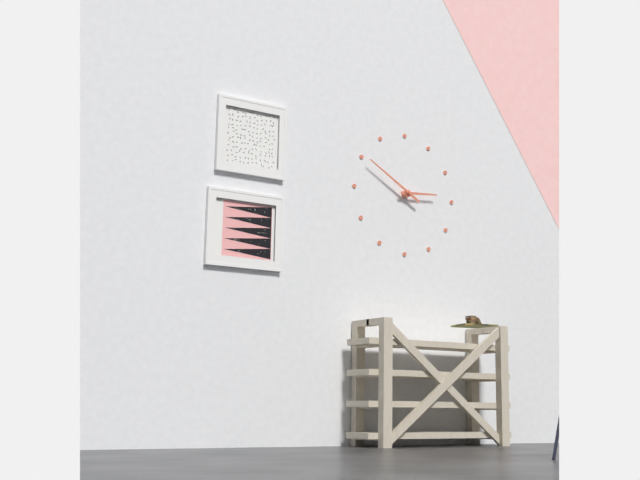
2:50
